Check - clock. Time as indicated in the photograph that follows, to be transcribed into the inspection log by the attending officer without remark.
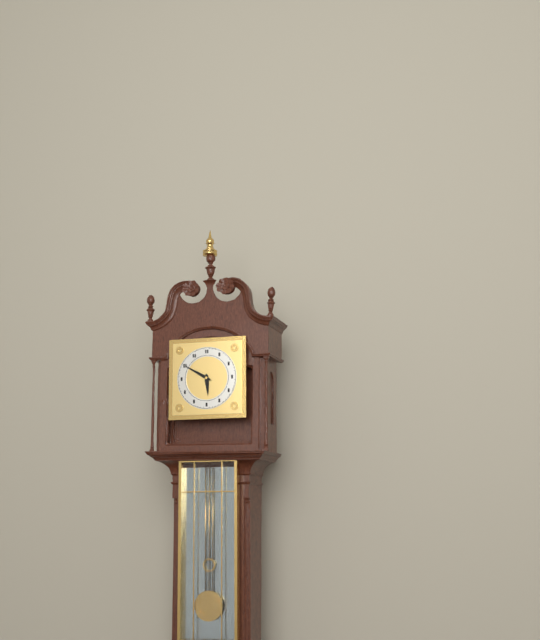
5:50
